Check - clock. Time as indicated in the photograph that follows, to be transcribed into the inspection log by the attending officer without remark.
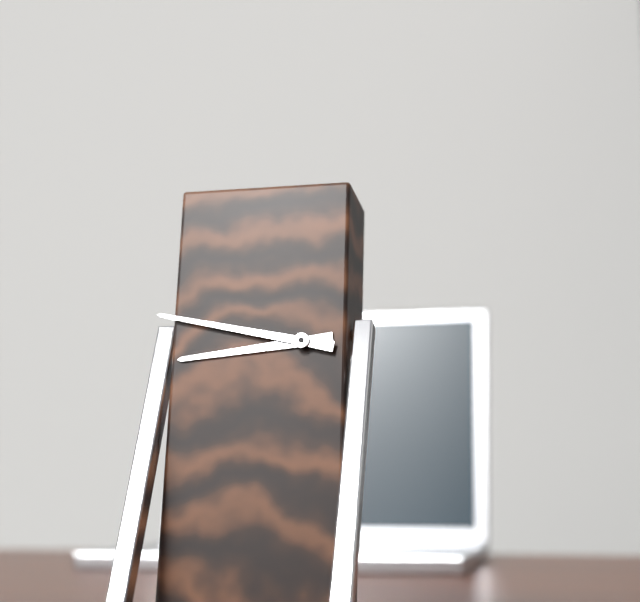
8:47
